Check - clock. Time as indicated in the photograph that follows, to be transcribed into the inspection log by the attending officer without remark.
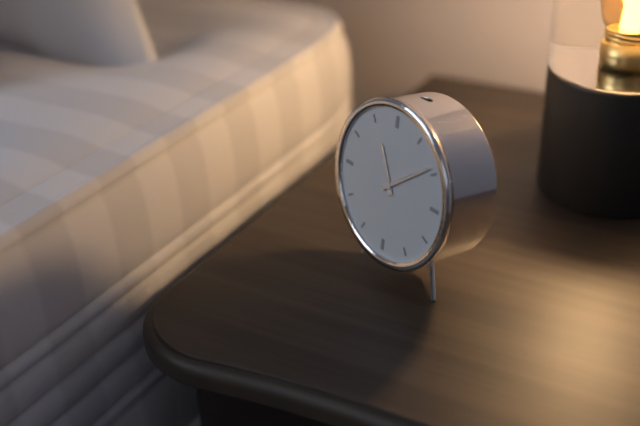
11:09
